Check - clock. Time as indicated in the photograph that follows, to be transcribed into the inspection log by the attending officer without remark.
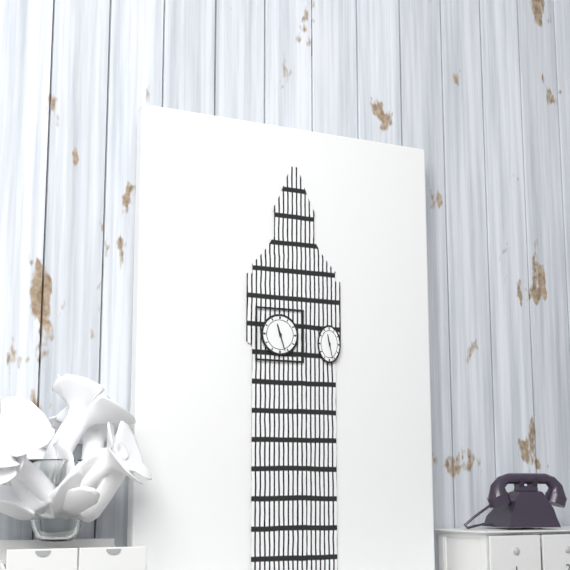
11:27
